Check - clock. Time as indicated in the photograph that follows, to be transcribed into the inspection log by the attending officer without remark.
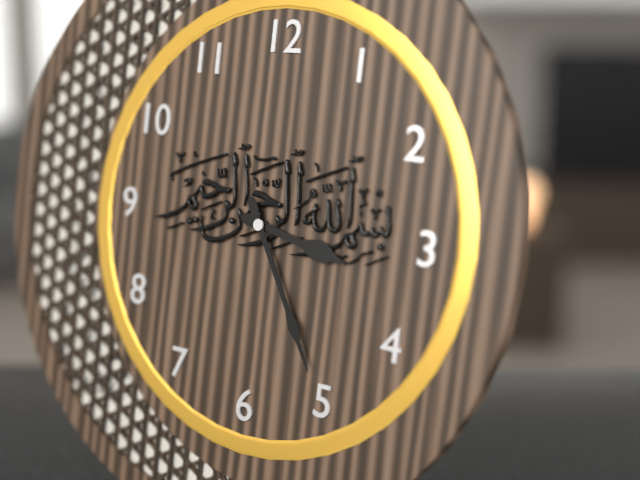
3:25
